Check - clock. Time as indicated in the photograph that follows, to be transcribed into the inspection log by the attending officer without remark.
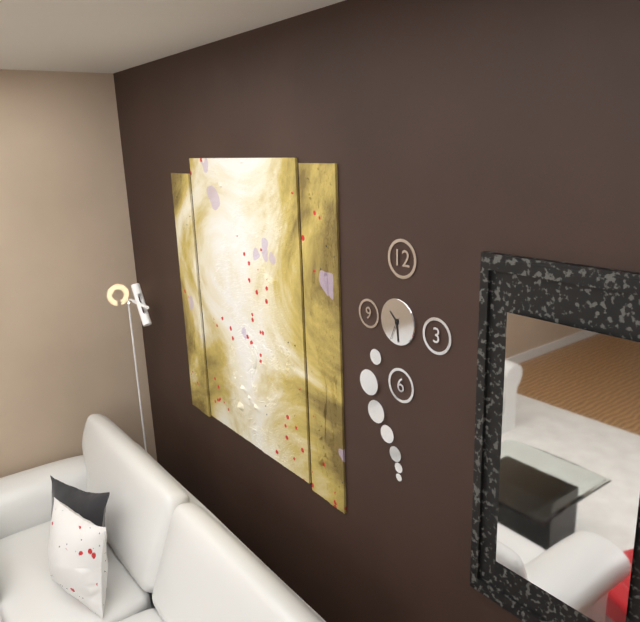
10:29
